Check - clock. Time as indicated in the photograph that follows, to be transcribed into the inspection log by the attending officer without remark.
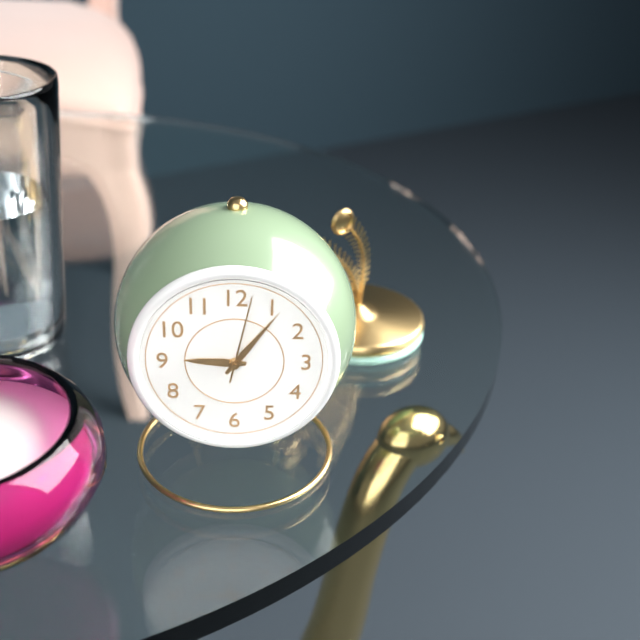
9:06:02
